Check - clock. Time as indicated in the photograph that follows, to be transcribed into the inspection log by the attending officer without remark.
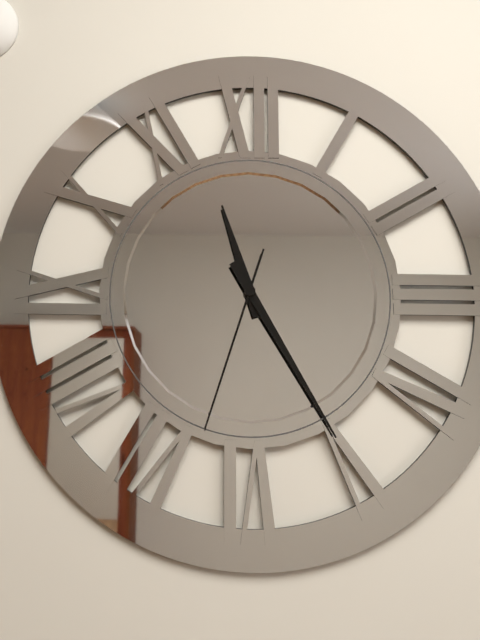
11:25:33
